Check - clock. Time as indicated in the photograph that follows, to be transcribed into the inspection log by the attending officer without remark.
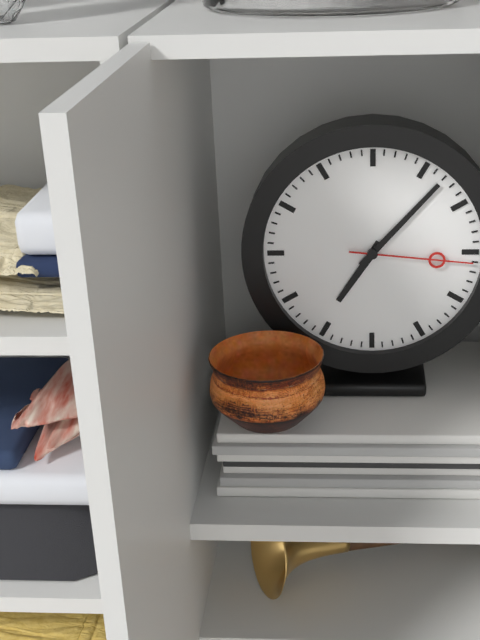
7:07:16
